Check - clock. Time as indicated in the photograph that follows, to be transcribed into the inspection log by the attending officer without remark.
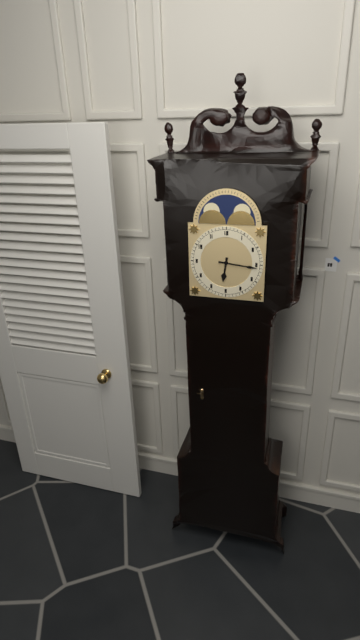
6:16
